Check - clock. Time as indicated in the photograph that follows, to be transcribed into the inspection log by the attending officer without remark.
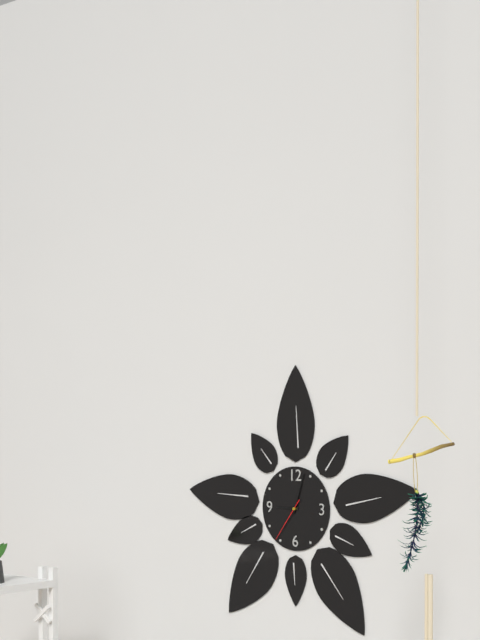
9:03
